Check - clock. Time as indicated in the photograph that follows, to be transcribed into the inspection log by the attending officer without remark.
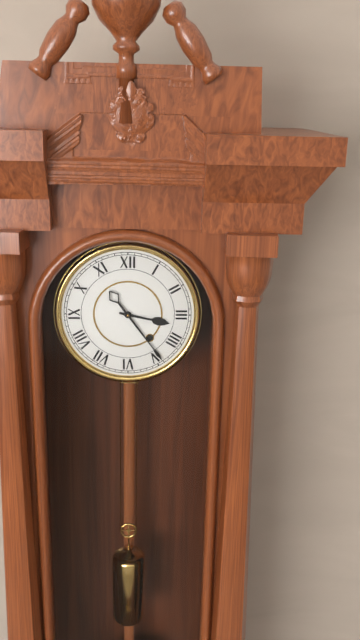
3:24
